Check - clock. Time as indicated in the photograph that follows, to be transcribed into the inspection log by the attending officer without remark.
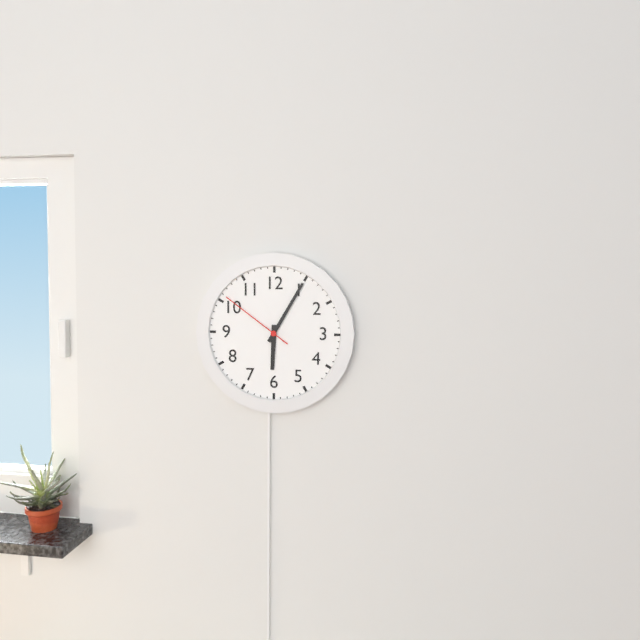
6:05:51
